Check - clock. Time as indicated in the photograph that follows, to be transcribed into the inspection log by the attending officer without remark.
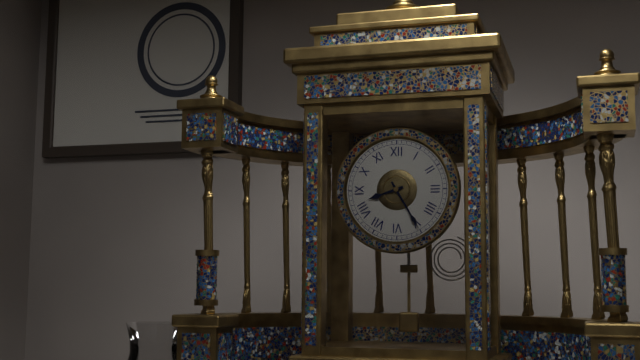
8:25
